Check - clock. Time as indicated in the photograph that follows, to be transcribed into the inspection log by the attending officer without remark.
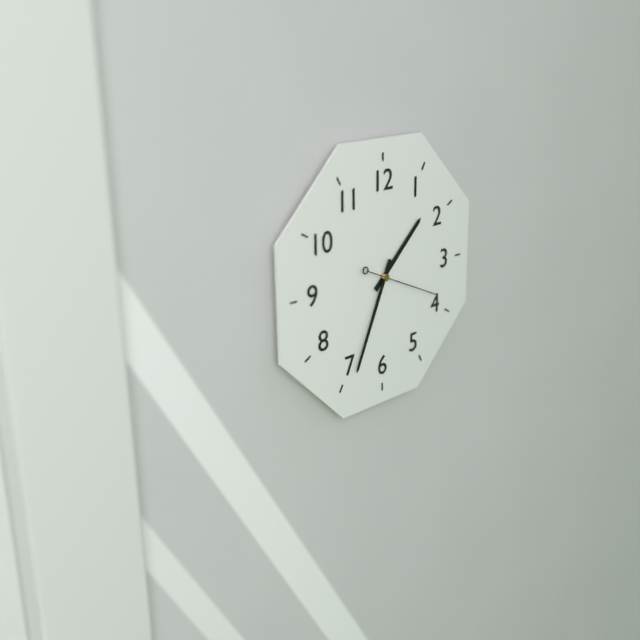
1:34:19
